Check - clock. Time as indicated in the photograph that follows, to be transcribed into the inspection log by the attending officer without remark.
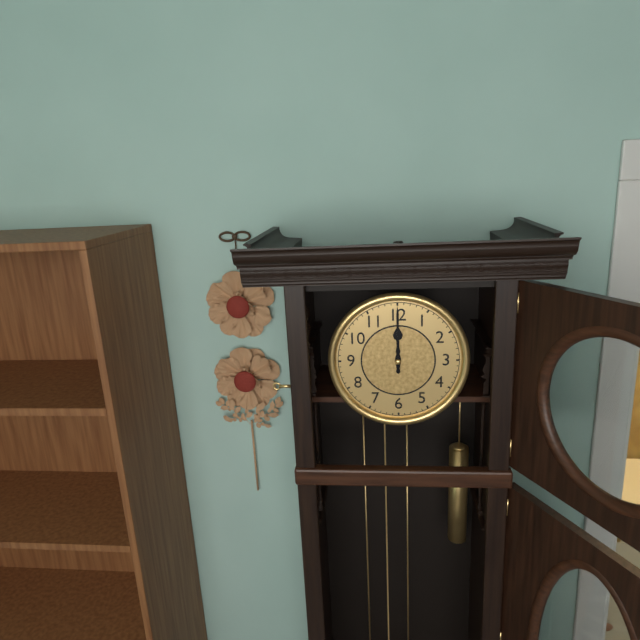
12:00
